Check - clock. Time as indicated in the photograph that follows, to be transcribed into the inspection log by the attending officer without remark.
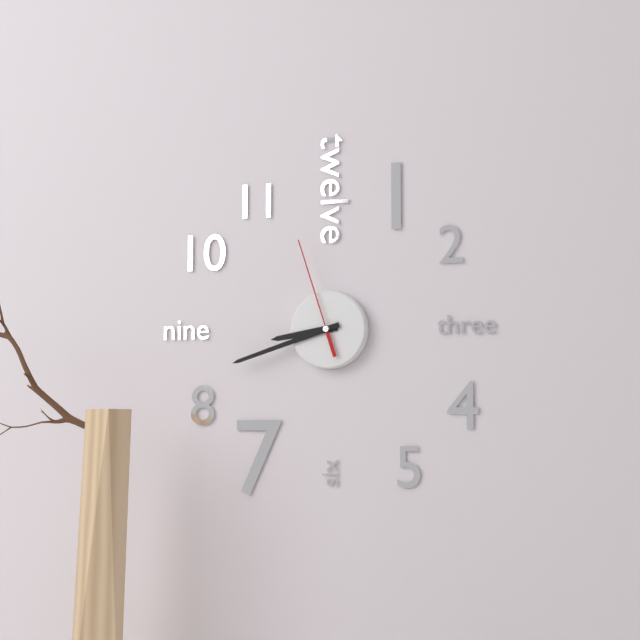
8:42:57
